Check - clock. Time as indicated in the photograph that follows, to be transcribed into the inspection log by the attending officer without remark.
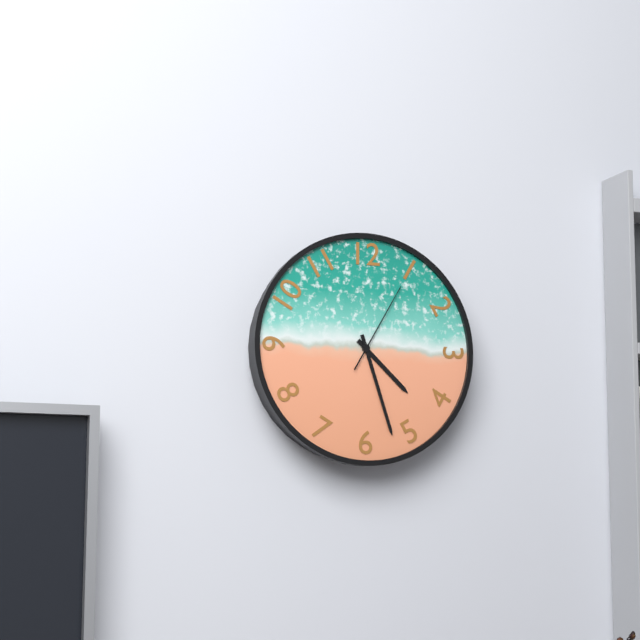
4:27:05
